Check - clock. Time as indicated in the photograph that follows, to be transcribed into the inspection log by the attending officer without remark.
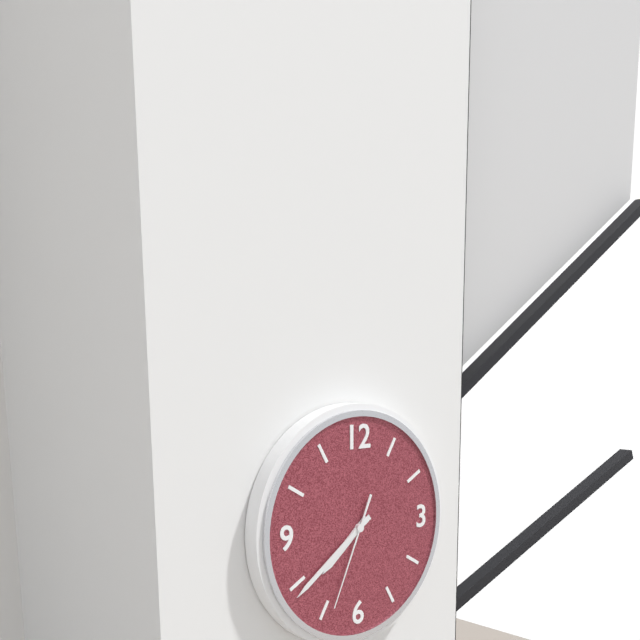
7:39:34
